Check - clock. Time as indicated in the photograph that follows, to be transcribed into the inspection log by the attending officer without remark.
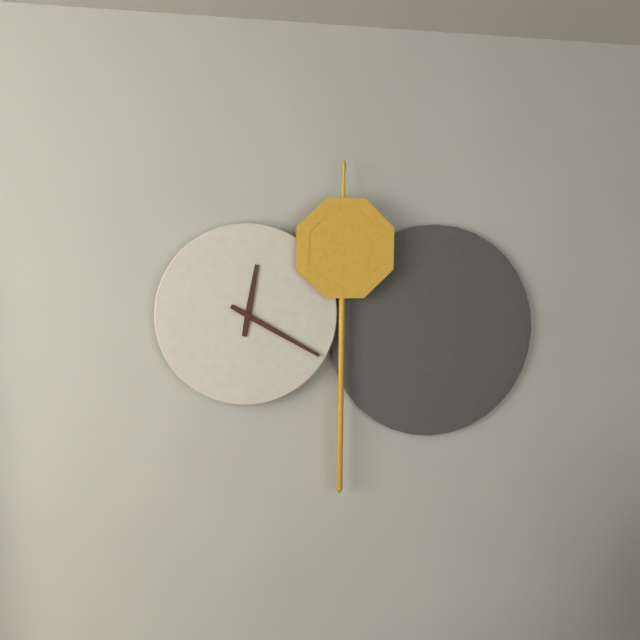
12:20
